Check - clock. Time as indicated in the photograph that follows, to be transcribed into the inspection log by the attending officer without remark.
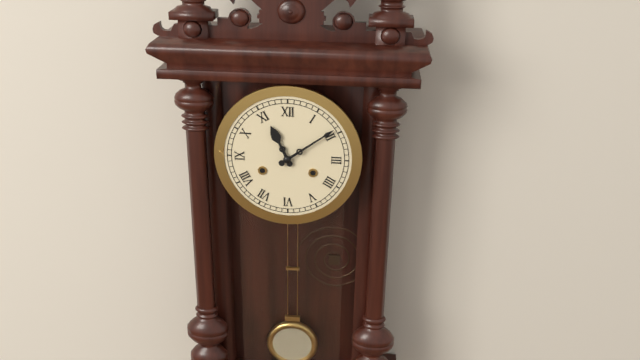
11:09
